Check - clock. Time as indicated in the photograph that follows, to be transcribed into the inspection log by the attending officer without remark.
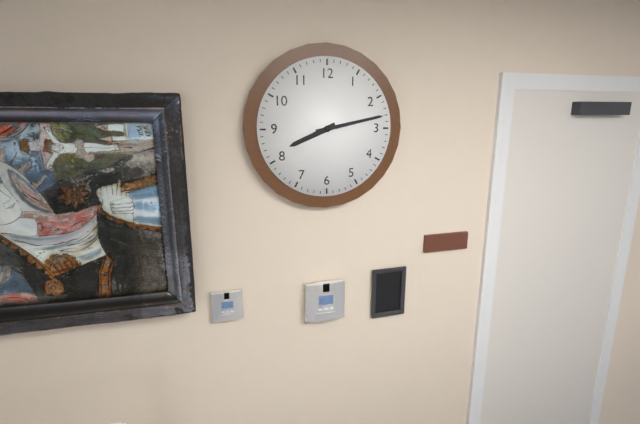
8:13
